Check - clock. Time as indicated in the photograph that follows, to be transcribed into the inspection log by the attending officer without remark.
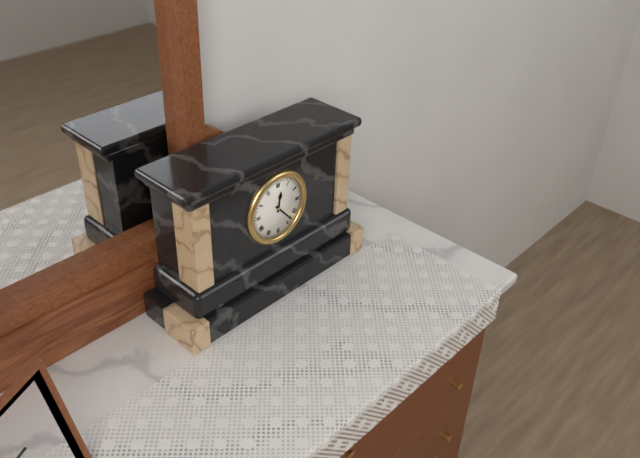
12:23
